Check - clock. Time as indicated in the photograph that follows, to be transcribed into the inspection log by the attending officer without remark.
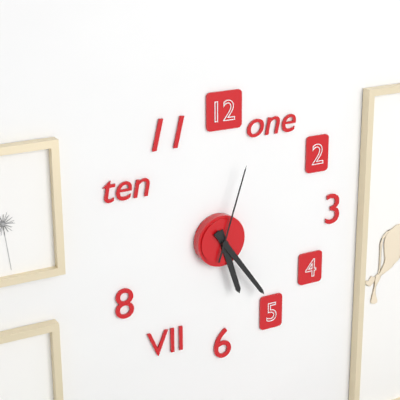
5:24:03
